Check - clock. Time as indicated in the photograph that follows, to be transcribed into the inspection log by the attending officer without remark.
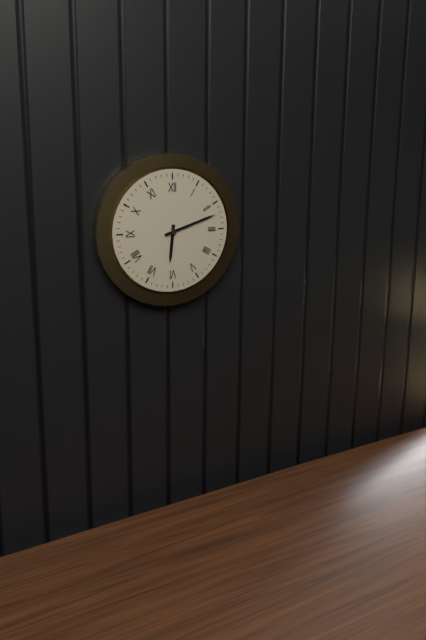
6:12
